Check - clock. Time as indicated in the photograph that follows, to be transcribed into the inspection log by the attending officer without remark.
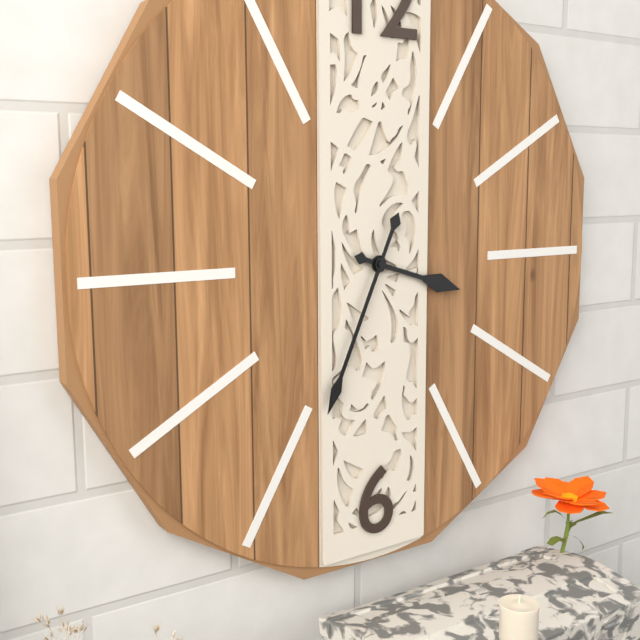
3:34
